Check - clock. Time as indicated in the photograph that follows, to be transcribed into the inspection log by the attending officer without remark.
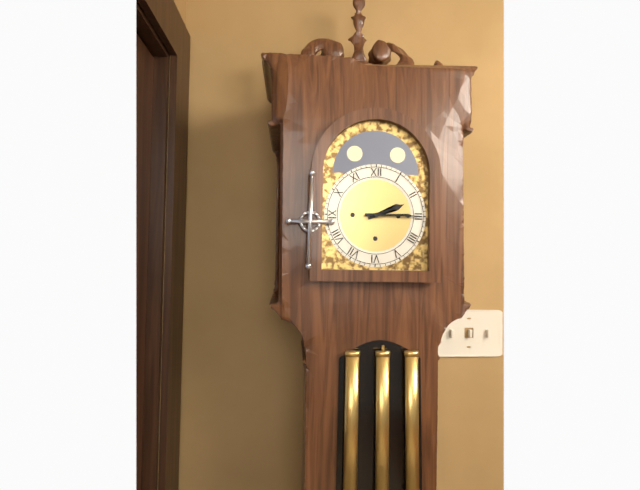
2:15
